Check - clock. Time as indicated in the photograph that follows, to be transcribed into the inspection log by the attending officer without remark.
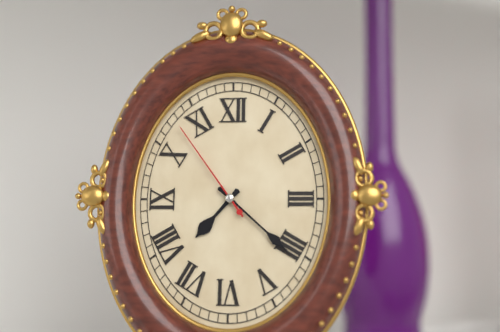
7:22:54
